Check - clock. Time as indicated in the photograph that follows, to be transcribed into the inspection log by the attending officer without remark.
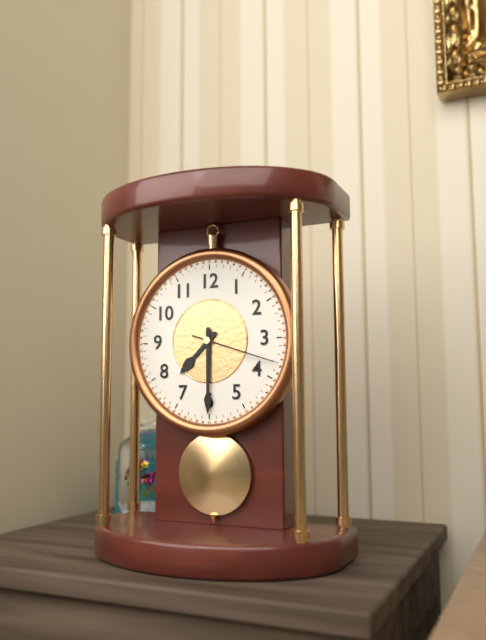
7:30:18
